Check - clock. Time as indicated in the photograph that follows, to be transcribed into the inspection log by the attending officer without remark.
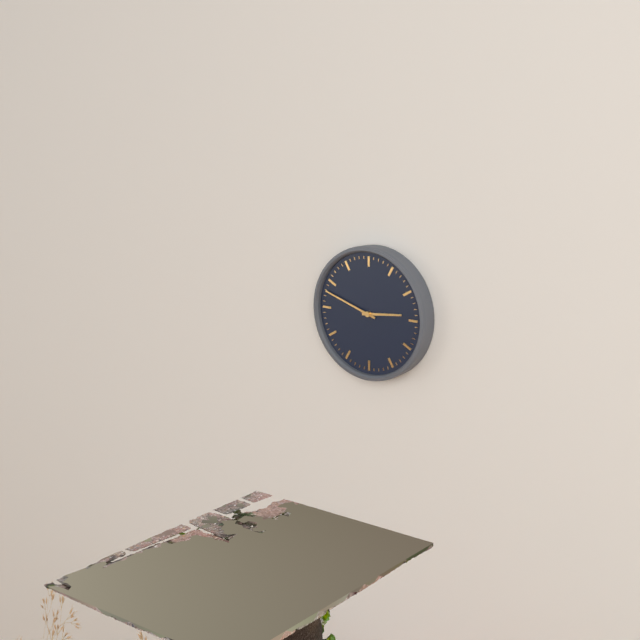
2:48
